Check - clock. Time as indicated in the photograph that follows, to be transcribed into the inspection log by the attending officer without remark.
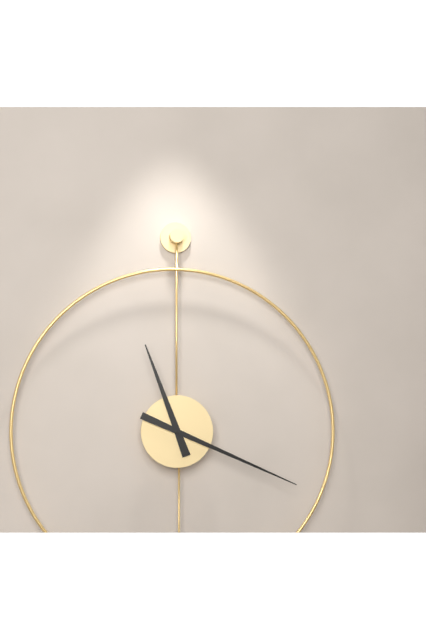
11:19
